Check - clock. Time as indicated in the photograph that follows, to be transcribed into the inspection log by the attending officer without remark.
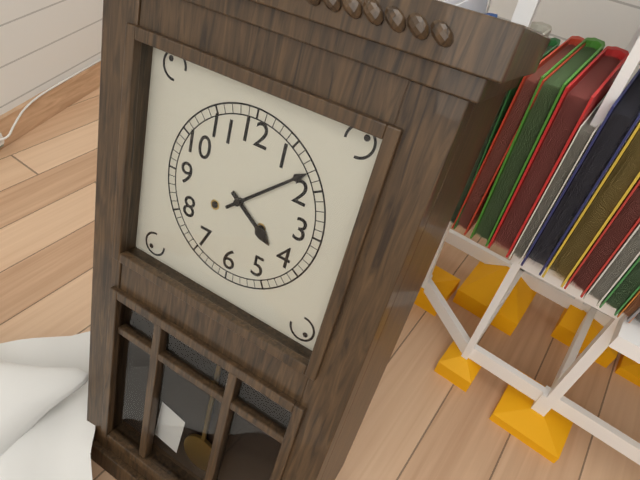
4:08
